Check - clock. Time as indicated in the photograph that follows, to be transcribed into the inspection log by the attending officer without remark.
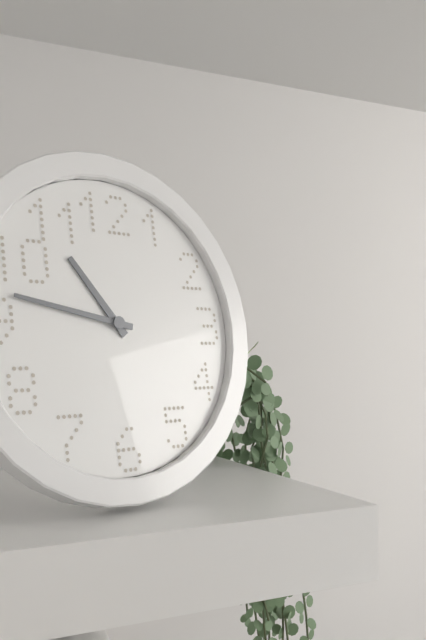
10:47
